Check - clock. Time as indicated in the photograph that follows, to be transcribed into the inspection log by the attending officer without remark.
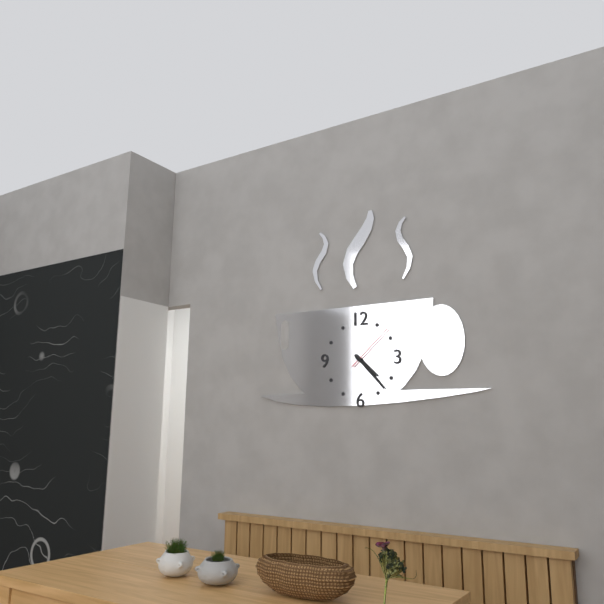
4:23:08
